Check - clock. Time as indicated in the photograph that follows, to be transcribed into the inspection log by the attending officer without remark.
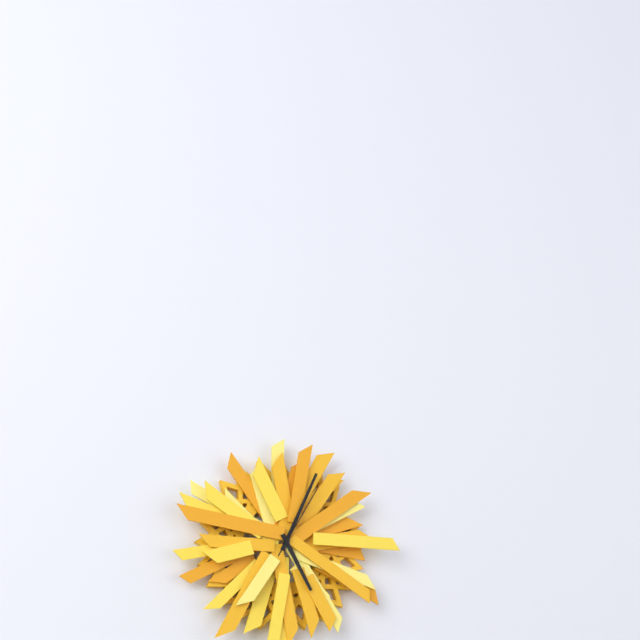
5:04:05
